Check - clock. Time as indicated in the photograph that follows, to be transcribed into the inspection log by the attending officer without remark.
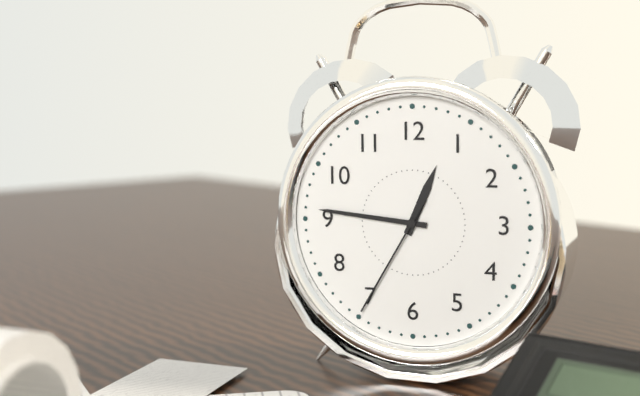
12:46:35
